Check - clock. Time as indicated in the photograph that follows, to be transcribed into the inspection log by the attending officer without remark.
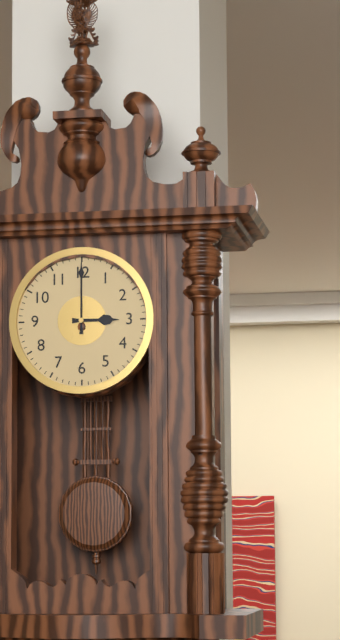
3:00
